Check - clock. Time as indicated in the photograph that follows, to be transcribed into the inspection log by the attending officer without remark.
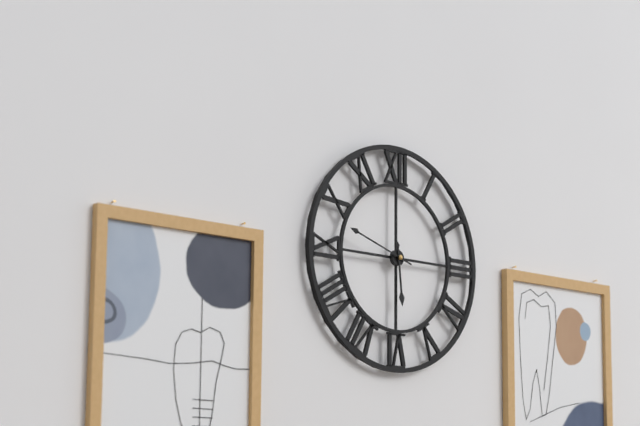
5:48
